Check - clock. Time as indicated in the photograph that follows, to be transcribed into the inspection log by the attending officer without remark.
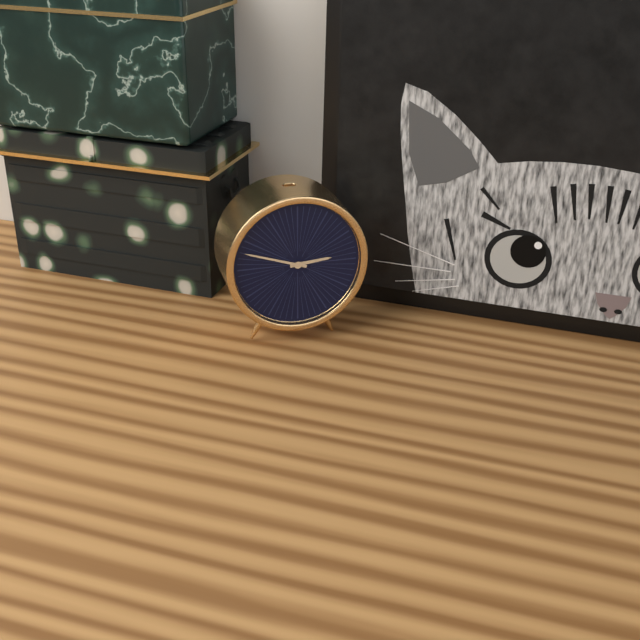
2:48
